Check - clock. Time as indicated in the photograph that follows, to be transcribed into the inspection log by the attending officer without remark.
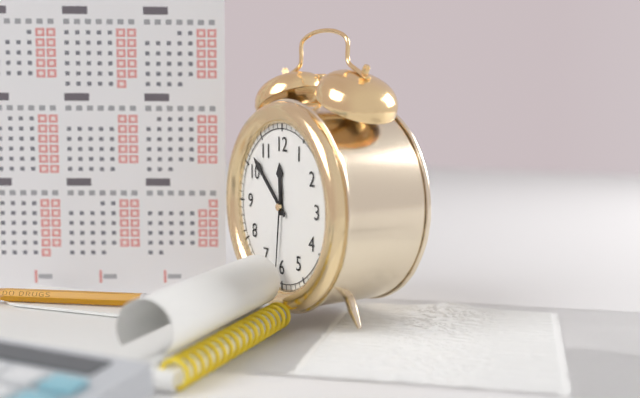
11:52:31
